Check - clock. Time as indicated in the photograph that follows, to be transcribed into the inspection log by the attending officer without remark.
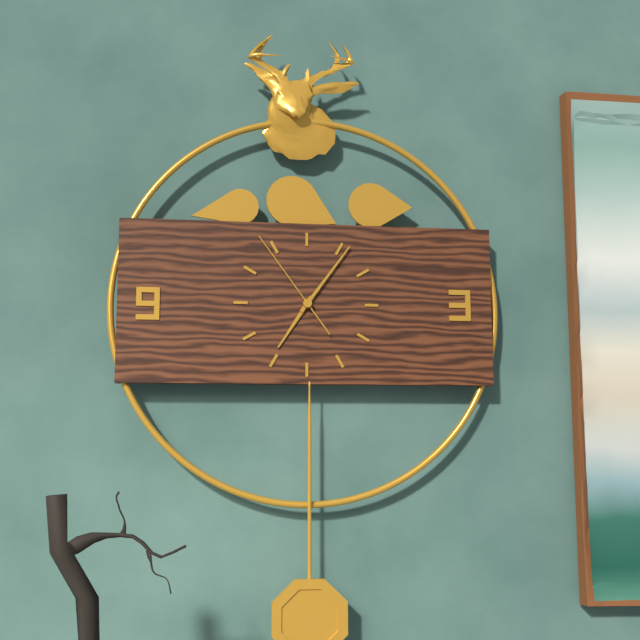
7:06:54
